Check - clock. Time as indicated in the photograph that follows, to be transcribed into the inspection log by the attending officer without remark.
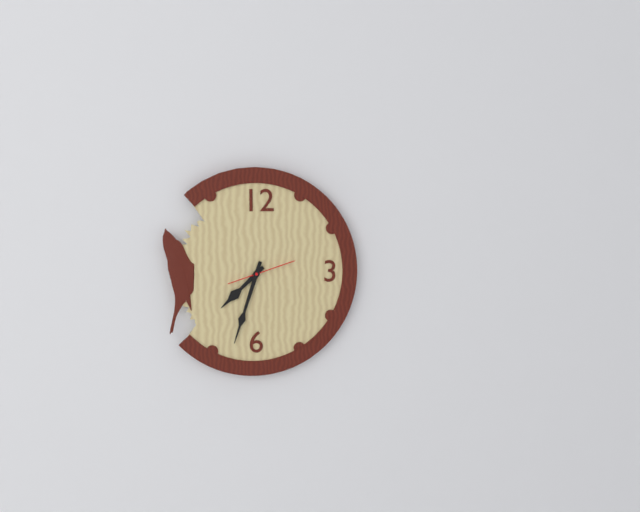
7:33:12
